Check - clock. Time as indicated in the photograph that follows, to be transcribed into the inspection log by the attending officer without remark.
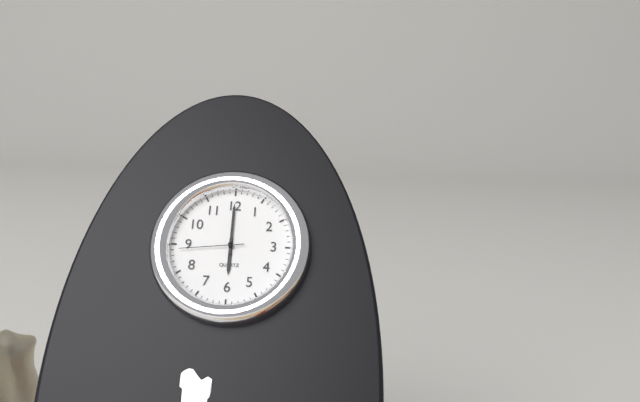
6:00:44
